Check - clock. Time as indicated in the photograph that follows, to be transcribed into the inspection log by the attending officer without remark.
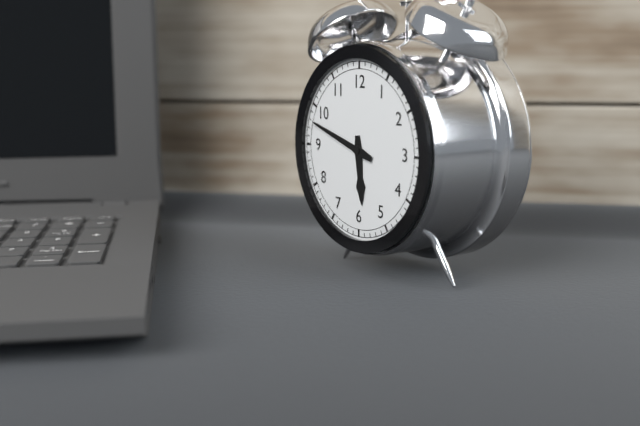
5:48
